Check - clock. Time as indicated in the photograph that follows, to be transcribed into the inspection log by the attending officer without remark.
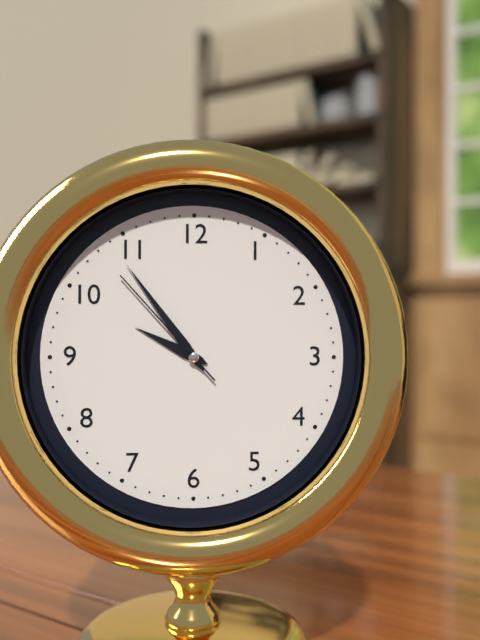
9:54:53
